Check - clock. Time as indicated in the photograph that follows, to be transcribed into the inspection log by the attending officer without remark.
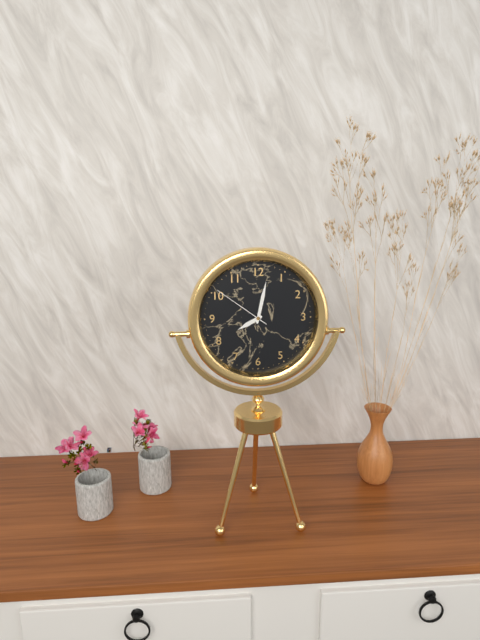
8:02:51
